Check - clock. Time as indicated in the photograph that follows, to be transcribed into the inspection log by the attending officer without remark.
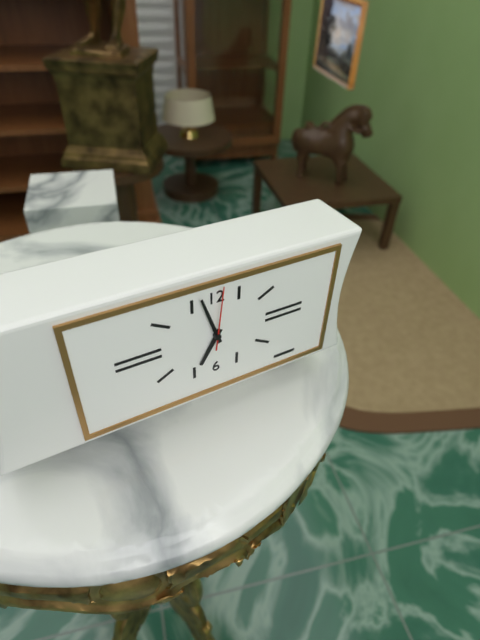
6:57:01
